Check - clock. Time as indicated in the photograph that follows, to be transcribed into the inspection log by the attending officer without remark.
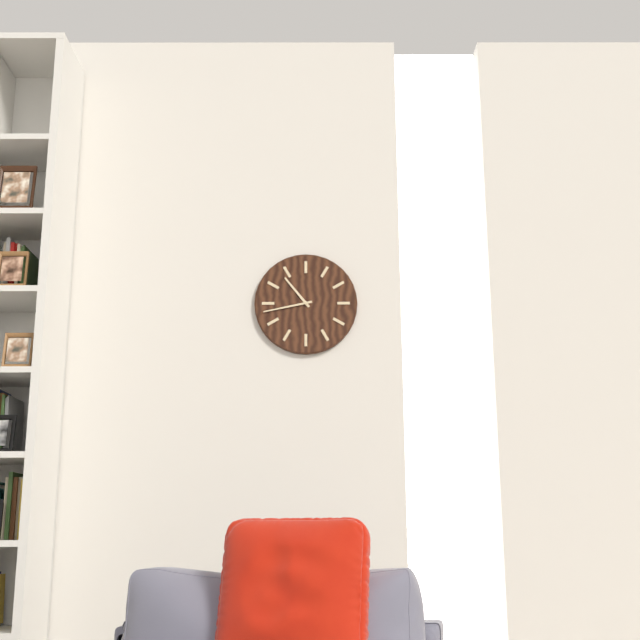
10:43
